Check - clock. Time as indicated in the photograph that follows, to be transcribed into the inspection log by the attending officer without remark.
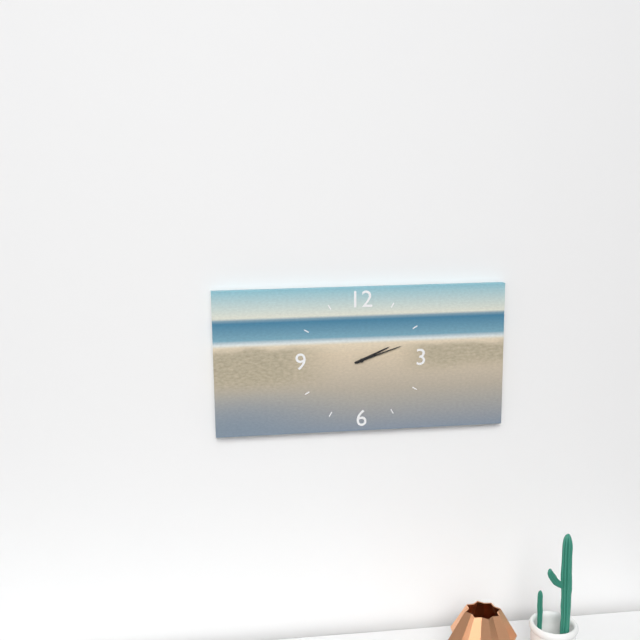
2:12
